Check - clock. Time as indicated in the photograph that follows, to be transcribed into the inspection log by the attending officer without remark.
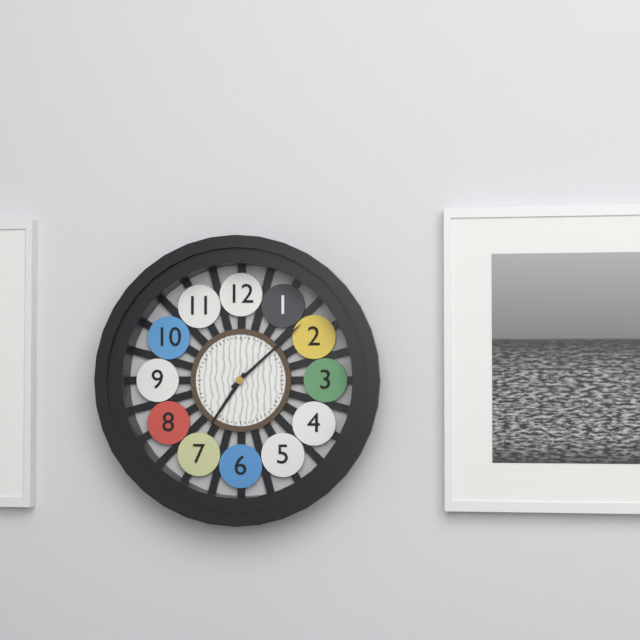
7:08
